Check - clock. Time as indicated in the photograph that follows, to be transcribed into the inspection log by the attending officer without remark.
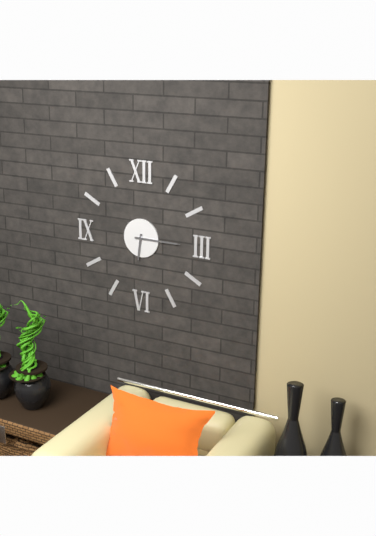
6:15
